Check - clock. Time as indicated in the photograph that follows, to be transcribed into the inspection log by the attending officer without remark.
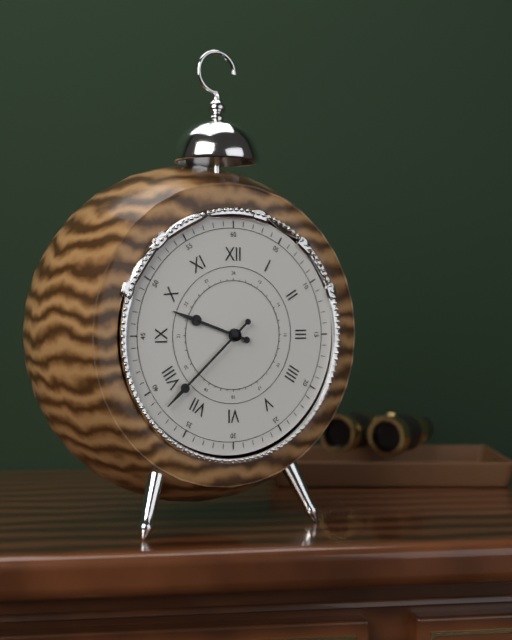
9:38
